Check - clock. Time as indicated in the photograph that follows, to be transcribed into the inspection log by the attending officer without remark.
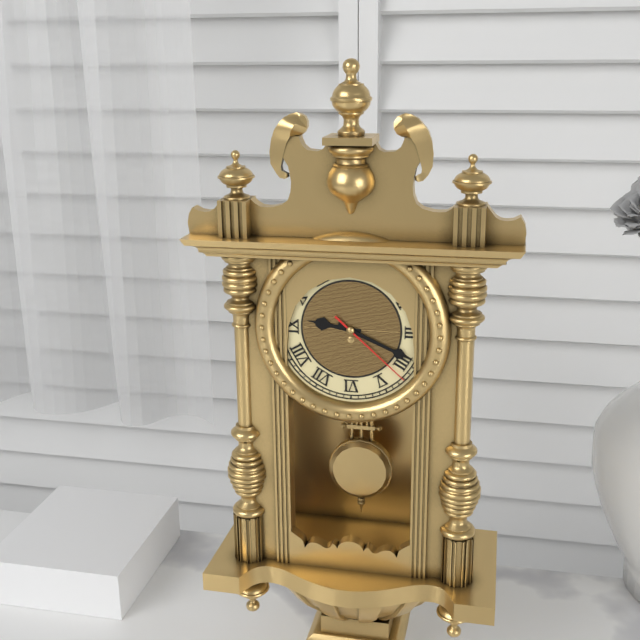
9:19:22
